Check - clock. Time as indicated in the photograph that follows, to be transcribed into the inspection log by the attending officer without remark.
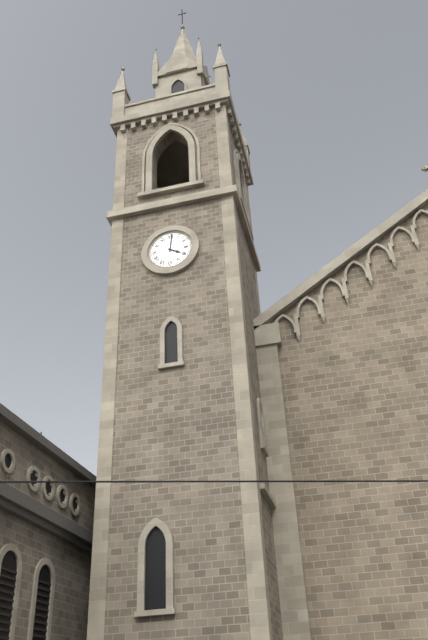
4:01
